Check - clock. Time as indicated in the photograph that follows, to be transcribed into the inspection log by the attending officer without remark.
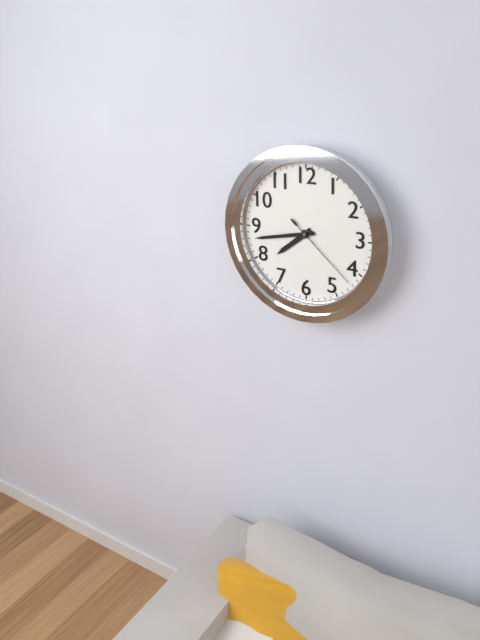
7:43:22
